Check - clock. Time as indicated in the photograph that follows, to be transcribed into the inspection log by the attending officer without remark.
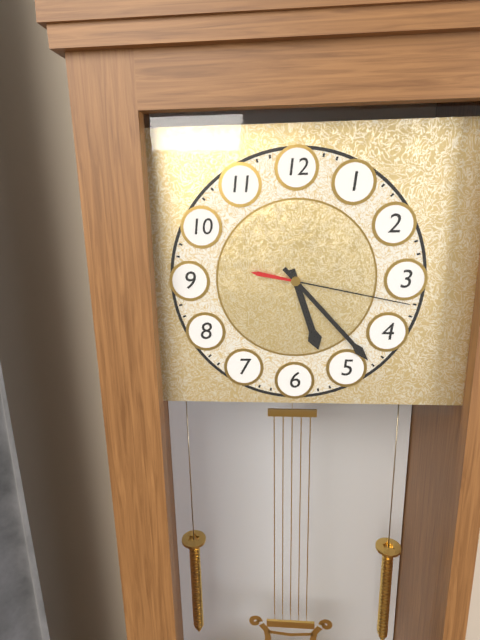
5:23:17
